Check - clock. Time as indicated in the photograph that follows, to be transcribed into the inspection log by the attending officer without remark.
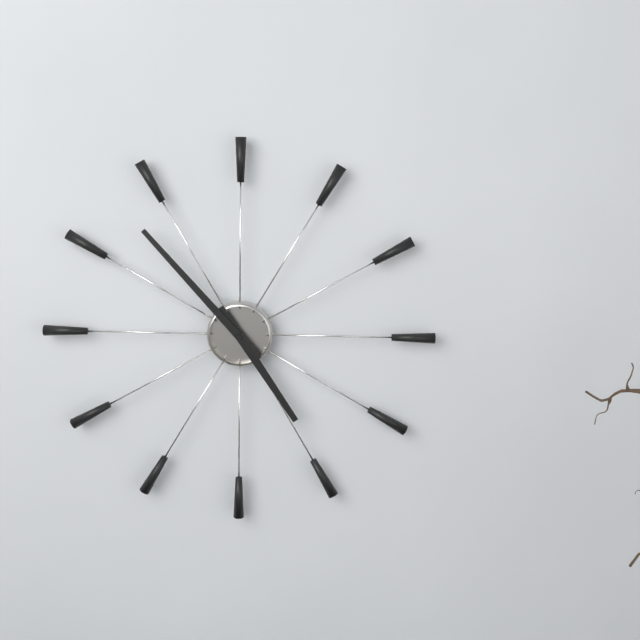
4:53
